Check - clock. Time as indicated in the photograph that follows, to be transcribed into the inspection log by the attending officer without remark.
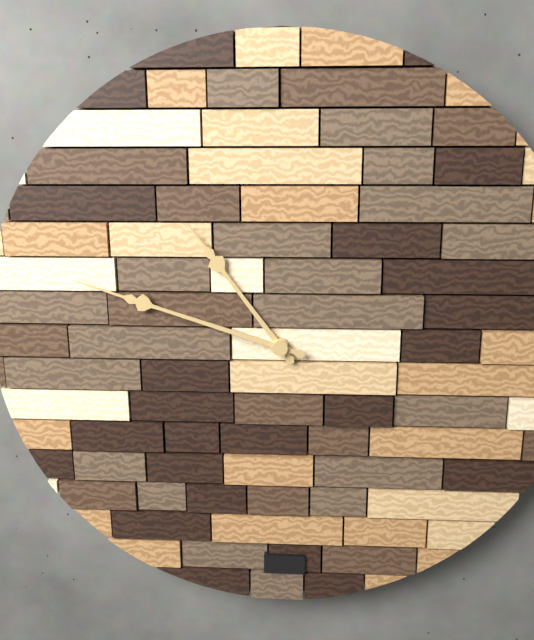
10:48
